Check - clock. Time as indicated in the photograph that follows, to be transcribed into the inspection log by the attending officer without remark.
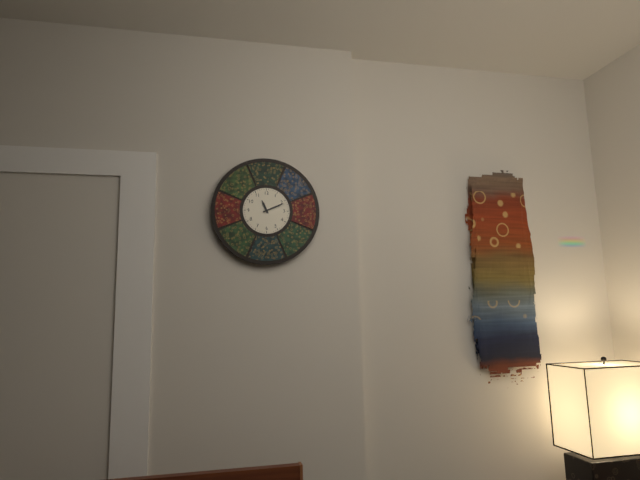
11:11
